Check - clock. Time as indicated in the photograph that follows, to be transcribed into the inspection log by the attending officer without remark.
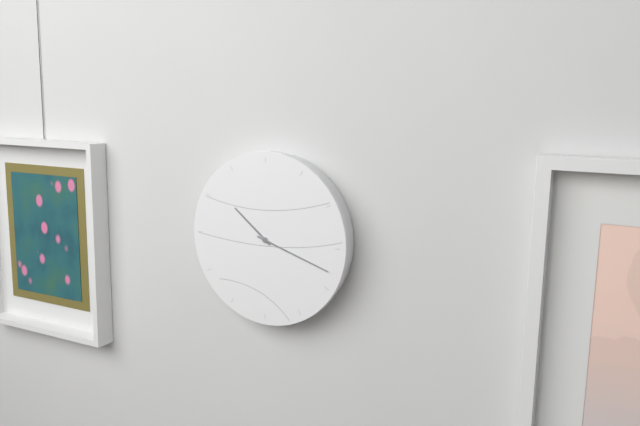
10:18
